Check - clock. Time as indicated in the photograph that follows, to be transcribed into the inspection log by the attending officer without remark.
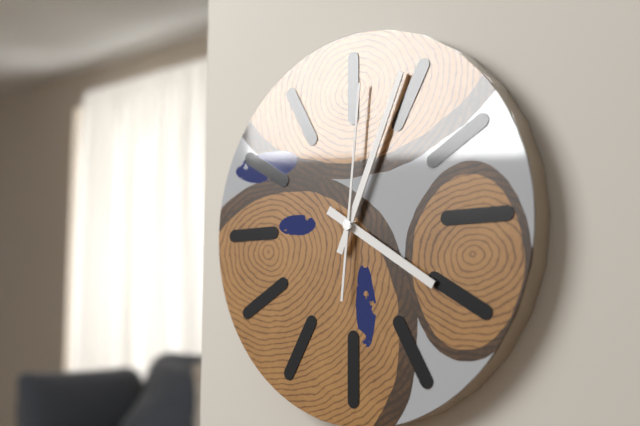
4:04:01
